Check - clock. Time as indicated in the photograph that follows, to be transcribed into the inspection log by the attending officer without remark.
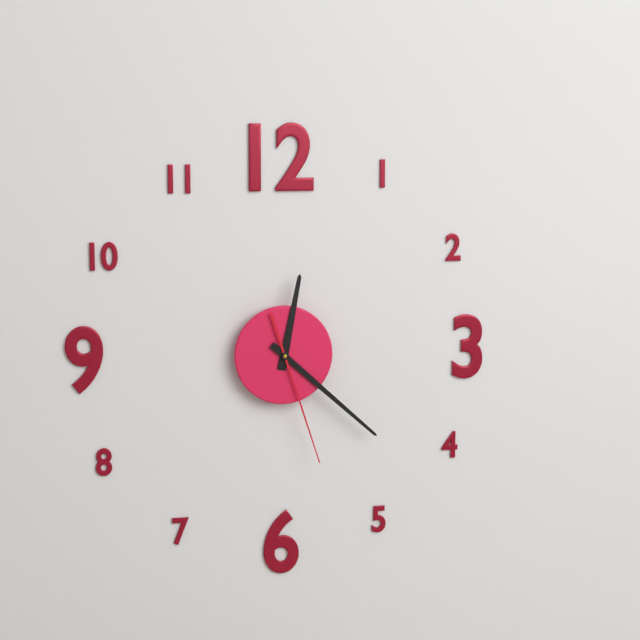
12:22:27
